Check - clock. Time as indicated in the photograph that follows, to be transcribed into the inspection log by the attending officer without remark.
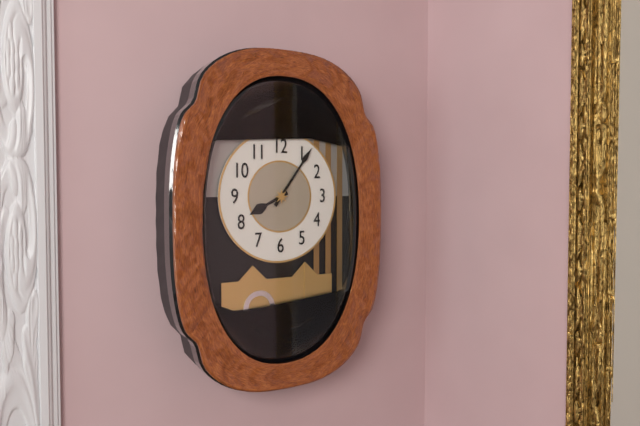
8:06
